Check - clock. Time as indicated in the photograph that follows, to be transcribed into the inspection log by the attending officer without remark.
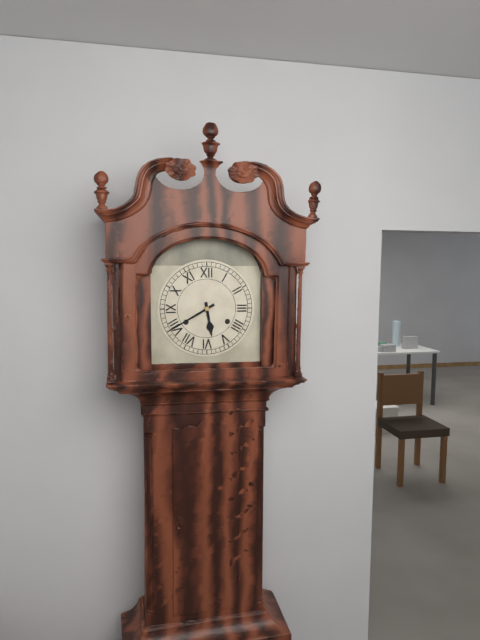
5:40
